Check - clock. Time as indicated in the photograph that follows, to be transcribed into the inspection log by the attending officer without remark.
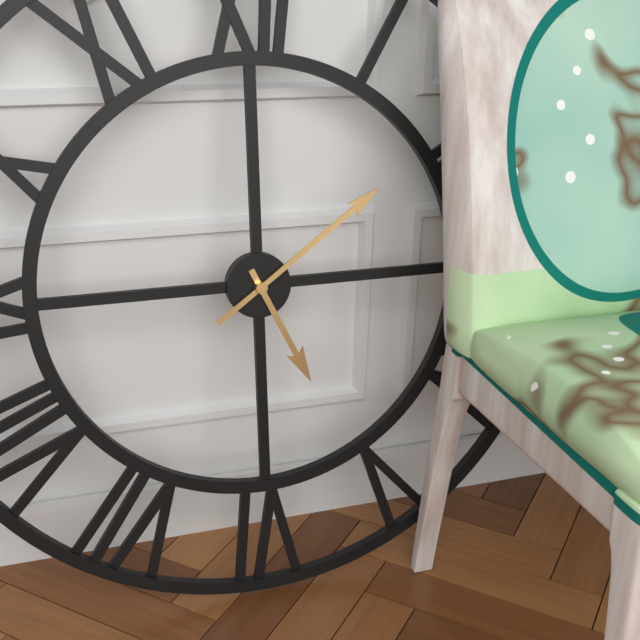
5:09
